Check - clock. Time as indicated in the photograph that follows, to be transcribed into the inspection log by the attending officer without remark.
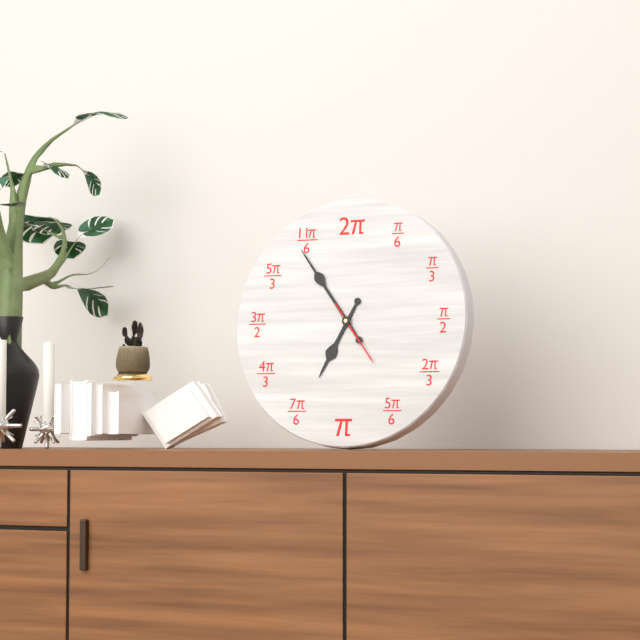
6:54:24
